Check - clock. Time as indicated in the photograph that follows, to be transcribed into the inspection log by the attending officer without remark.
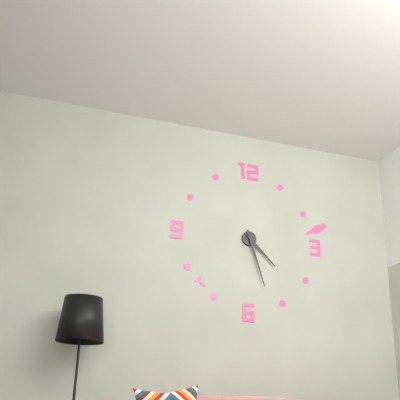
4:27
